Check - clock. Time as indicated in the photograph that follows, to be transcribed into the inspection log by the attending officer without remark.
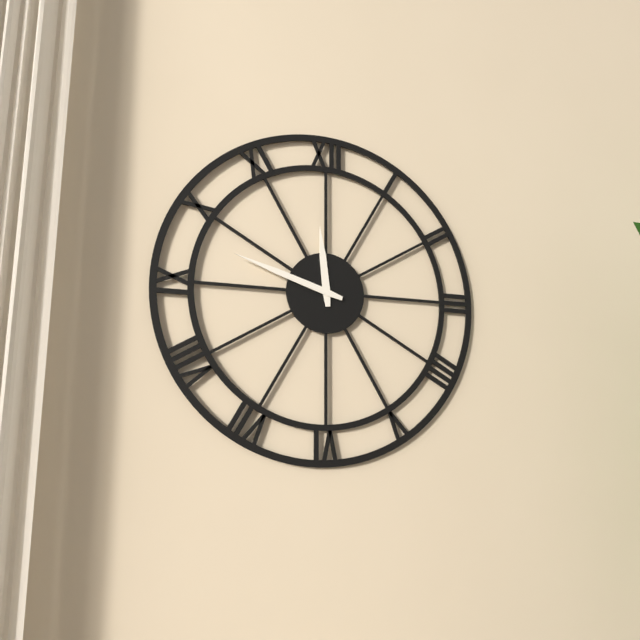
11:48
